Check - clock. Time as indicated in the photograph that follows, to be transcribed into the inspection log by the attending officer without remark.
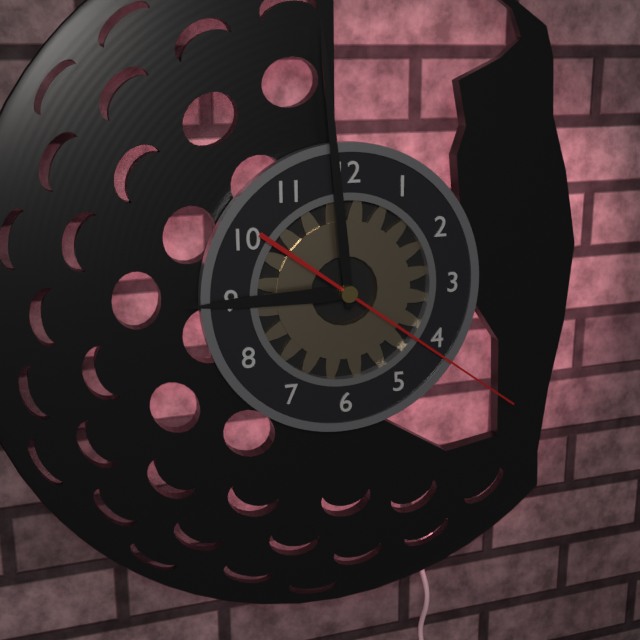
8:59:21
